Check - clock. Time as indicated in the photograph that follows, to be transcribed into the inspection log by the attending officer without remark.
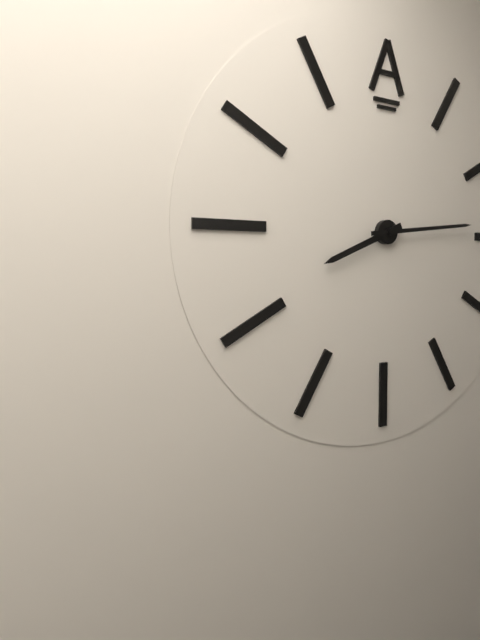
8:14
